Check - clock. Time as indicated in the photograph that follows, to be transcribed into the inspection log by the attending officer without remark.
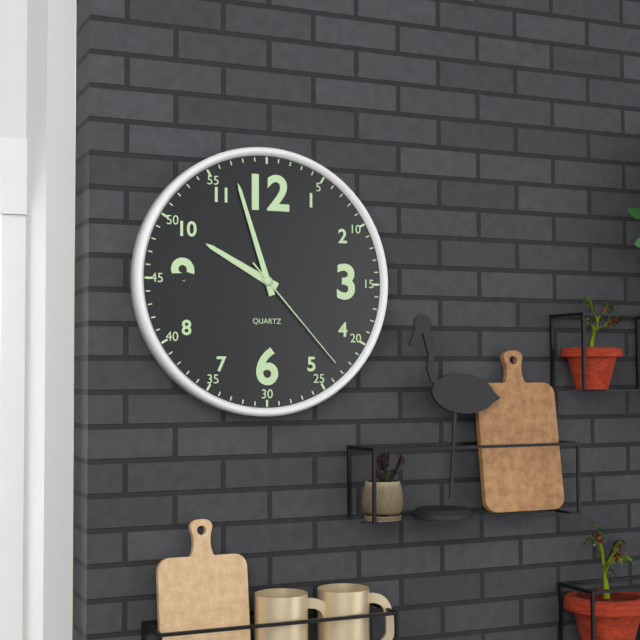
9:57:23
